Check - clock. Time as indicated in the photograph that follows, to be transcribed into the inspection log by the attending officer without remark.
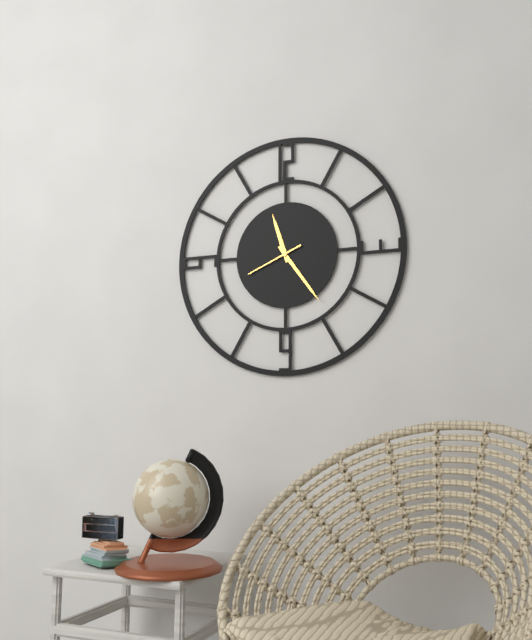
11:24:41
